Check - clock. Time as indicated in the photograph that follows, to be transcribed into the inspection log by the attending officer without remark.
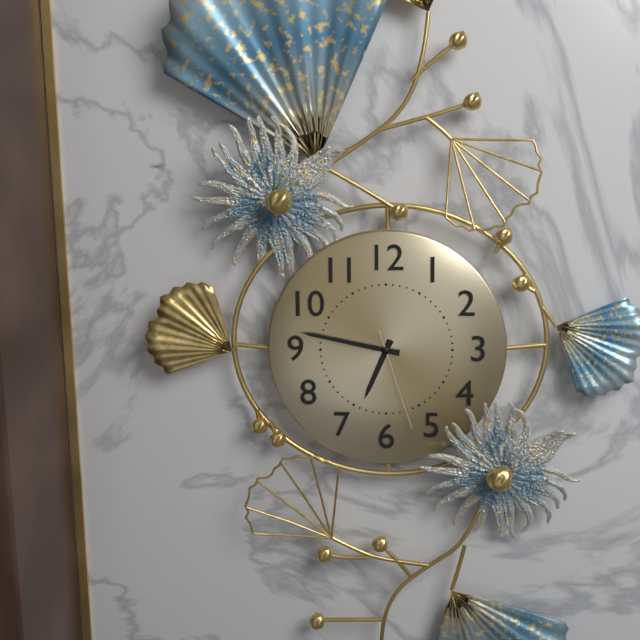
6:47:27
